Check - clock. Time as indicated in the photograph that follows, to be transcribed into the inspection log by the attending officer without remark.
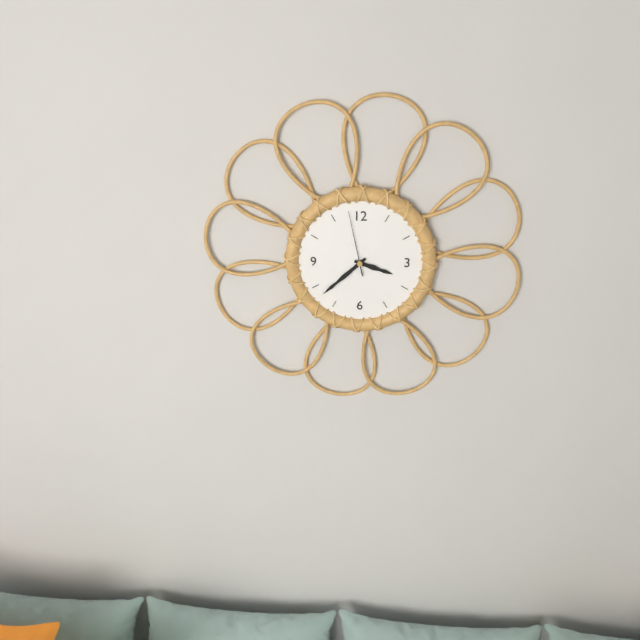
3:38:58
